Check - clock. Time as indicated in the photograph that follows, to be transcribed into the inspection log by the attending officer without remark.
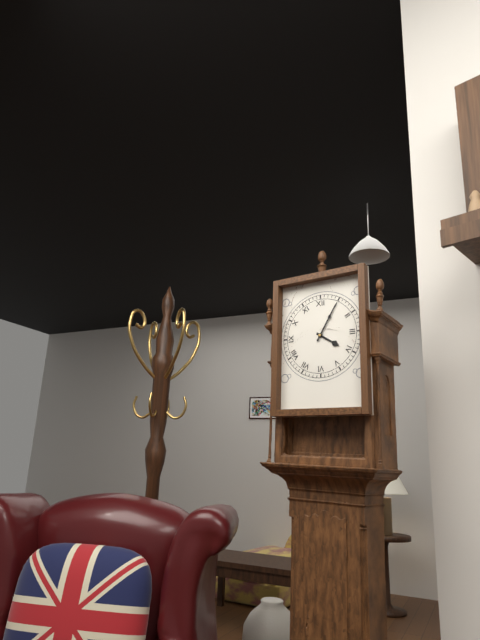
4:05
